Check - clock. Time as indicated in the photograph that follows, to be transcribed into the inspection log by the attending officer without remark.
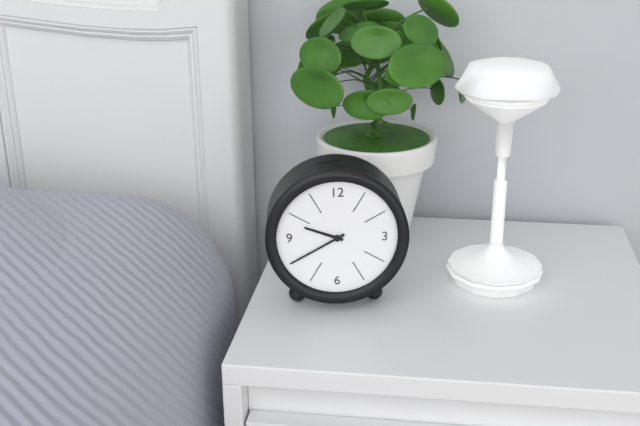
9:40
